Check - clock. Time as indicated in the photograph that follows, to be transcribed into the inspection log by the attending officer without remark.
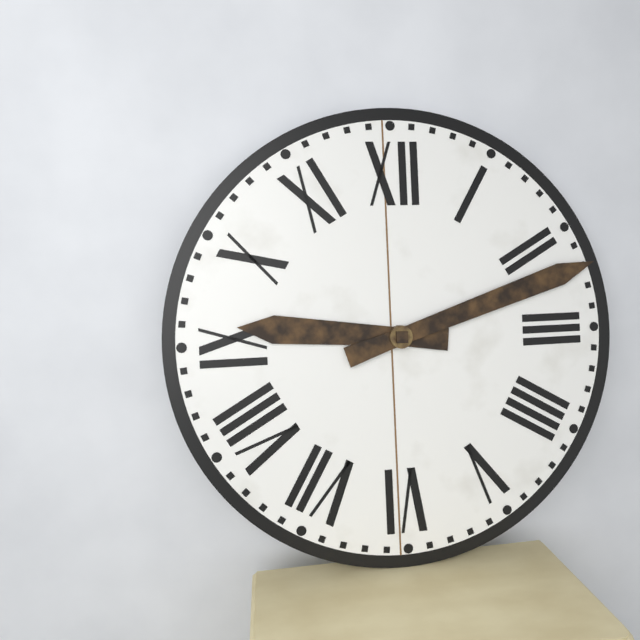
9:12
